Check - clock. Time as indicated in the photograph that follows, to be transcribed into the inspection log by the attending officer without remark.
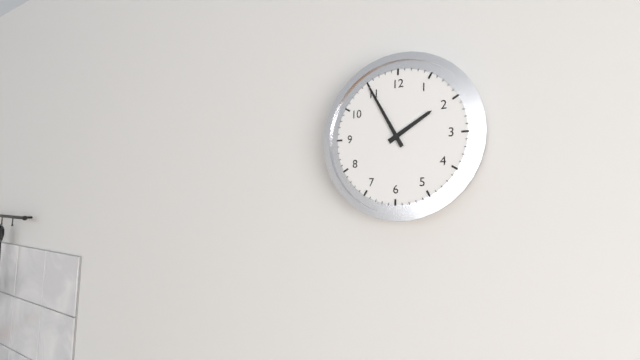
1:55
